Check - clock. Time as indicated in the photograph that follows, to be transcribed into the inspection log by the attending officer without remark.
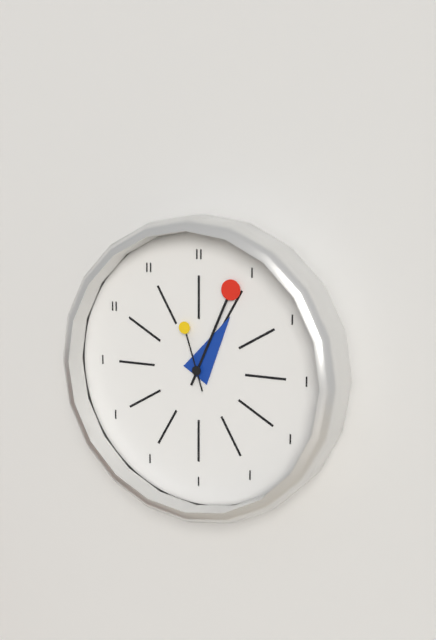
1:04:57
